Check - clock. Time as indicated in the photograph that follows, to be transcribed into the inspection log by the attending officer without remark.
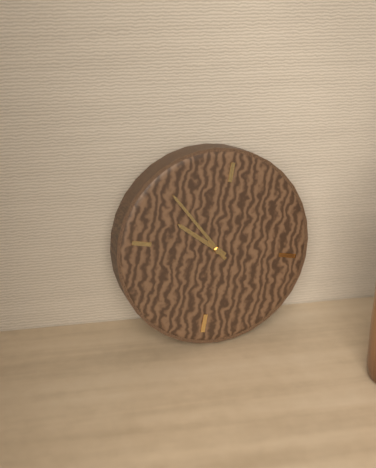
9:52
